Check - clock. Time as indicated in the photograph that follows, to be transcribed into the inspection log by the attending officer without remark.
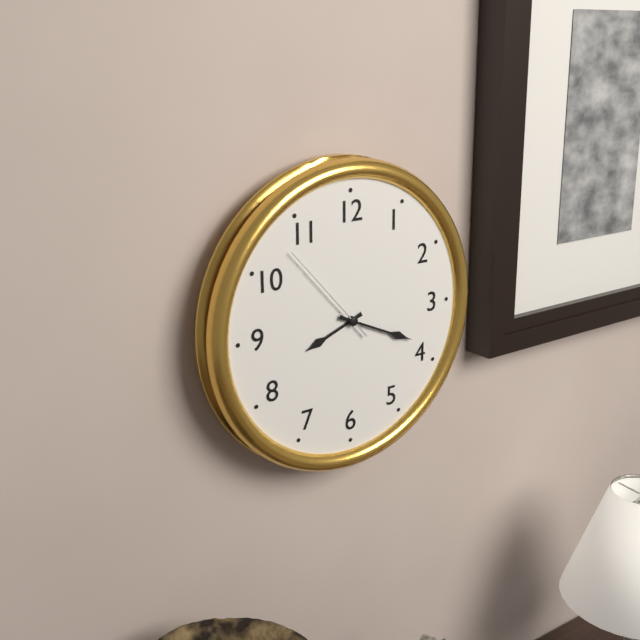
8:19:53
